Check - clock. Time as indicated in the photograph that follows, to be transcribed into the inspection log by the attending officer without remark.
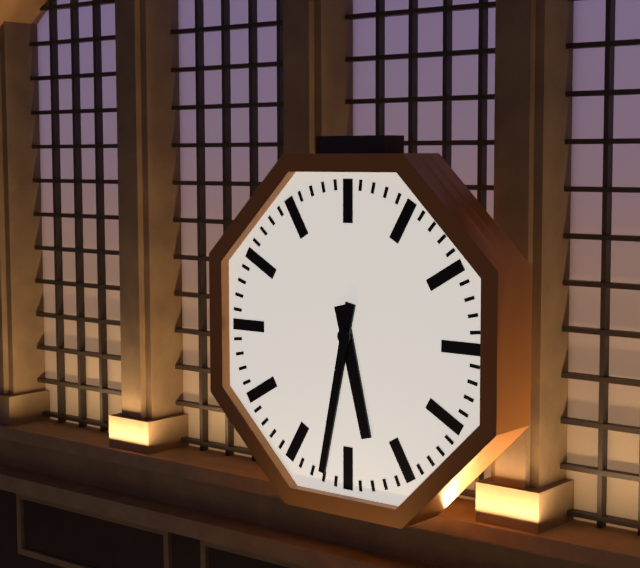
5:32
